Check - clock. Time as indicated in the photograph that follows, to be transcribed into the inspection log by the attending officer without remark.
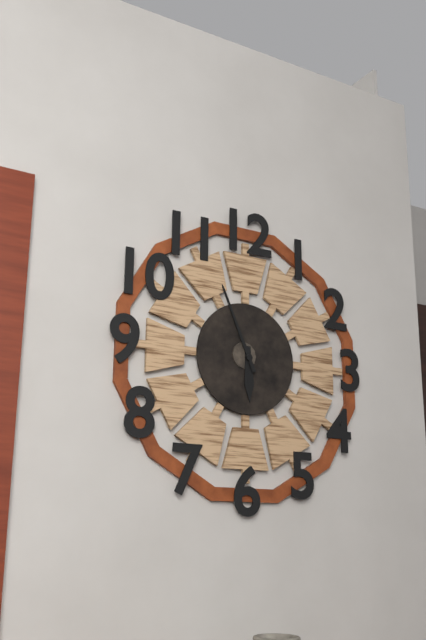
5:56
